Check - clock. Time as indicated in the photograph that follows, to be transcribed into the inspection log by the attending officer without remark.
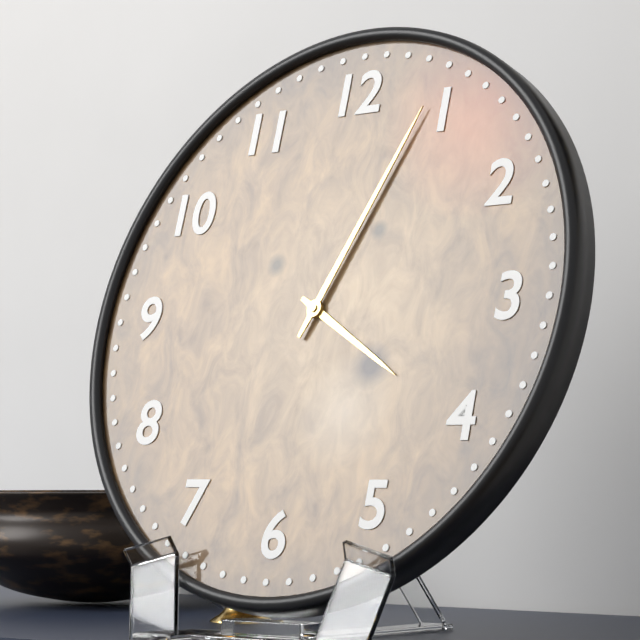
4:04
